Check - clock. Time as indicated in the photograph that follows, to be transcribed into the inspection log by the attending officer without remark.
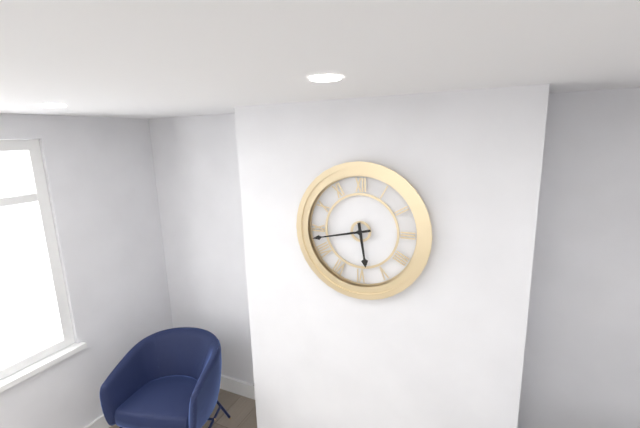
5:43
